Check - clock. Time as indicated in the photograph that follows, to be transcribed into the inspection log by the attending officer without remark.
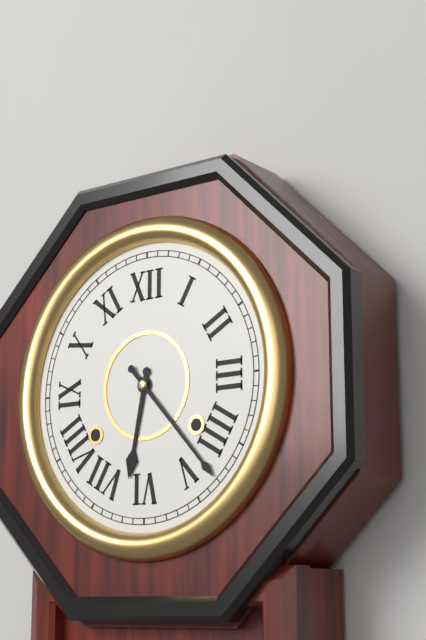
6:23
